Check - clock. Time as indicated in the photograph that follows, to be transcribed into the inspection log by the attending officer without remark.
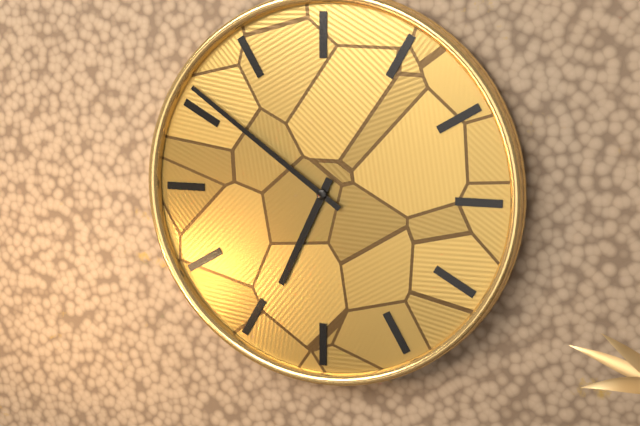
6:51
